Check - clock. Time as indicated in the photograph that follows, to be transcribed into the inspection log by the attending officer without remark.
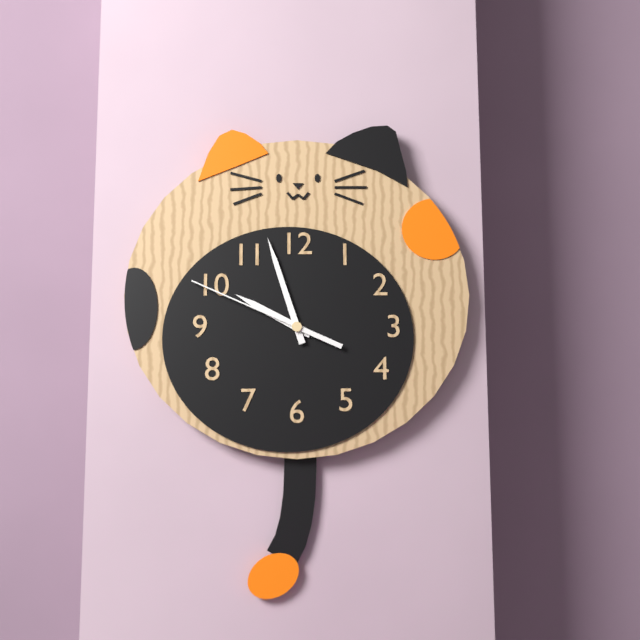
9:57:49
